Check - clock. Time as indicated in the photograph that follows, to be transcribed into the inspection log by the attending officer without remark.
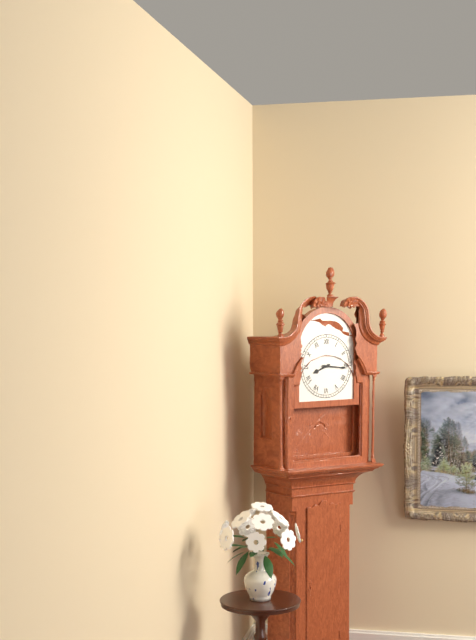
8:16
